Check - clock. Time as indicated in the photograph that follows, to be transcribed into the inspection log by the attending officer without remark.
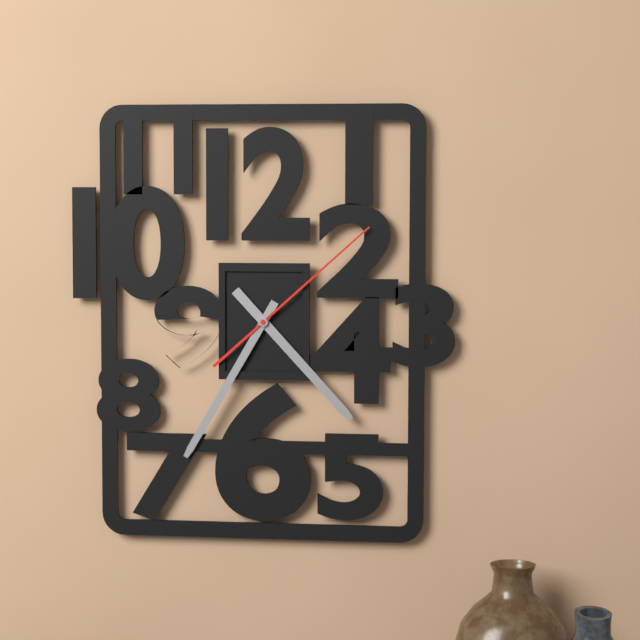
4:35:08
